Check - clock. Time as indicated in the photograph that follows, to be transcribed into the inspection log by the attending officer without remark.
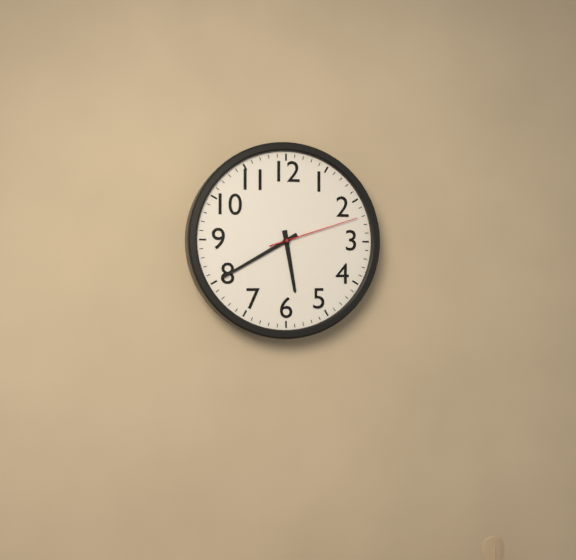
5:40:12
